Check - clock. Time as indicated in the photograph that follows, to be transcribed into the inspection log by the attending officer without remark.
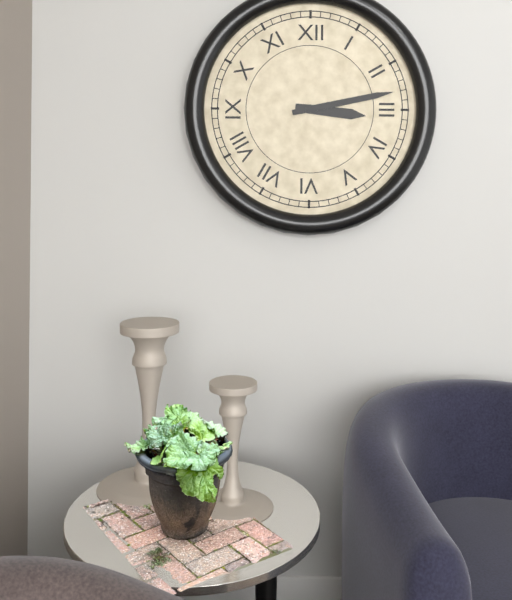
3:13
